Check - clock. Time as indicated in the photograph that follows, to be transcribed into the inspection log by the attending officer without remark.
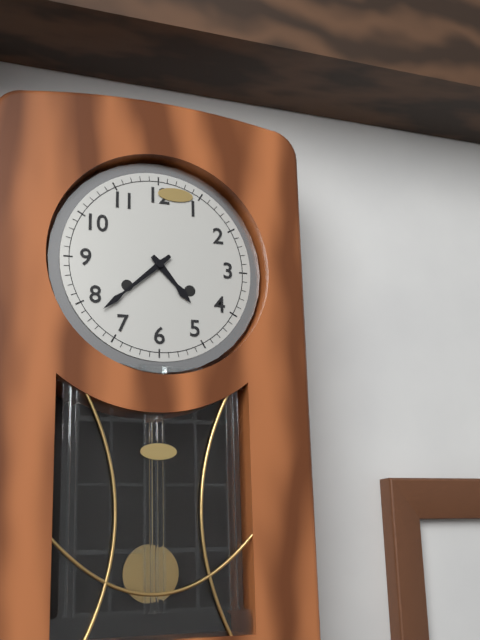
4:38
